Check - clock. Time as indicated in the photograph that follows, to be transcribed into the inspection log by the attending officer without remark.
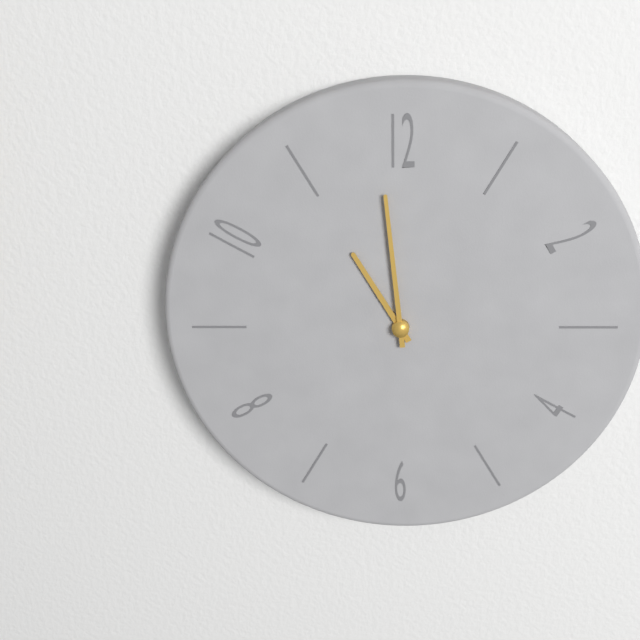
10:59
